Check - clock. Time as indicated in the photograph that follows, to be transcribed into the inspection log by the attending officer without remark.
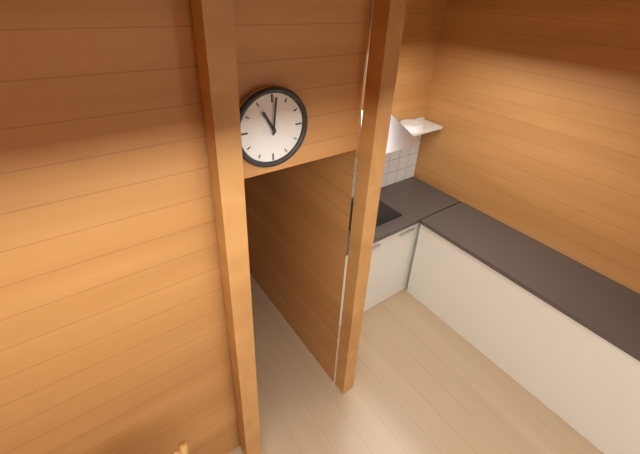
11:01
